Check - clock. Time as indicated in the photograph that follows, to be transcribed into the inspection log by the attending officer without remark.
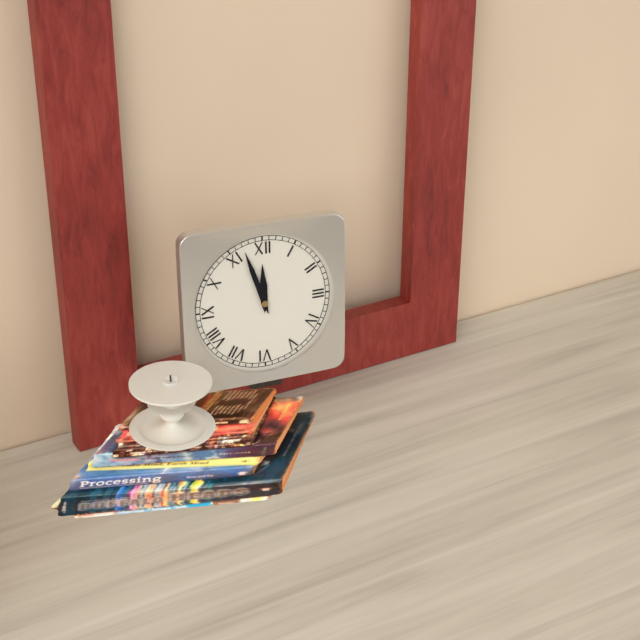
11:57
